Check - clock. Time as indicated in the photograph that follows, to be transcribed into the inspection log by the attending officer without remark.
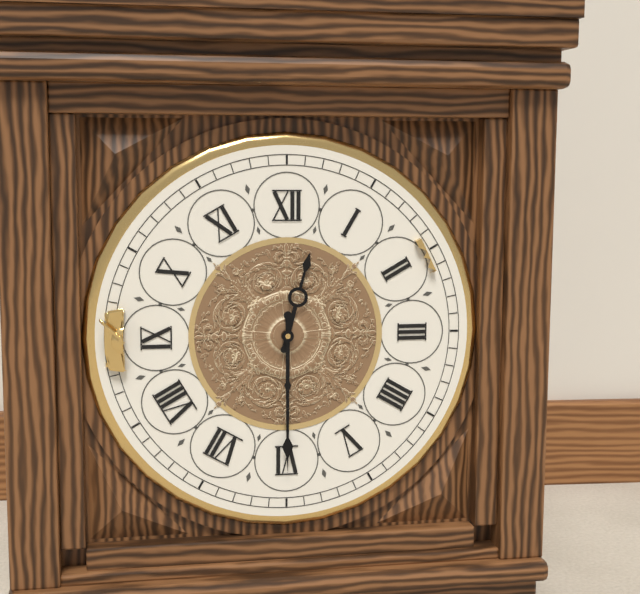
12:30
